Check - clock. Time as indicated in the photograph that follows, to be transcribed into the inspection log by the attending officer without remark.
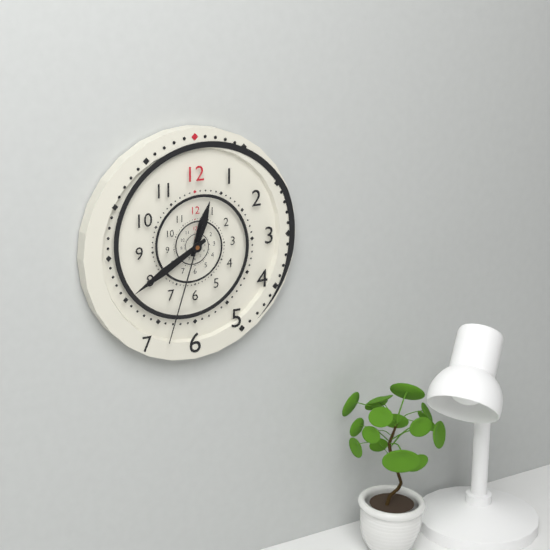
12:40:33
